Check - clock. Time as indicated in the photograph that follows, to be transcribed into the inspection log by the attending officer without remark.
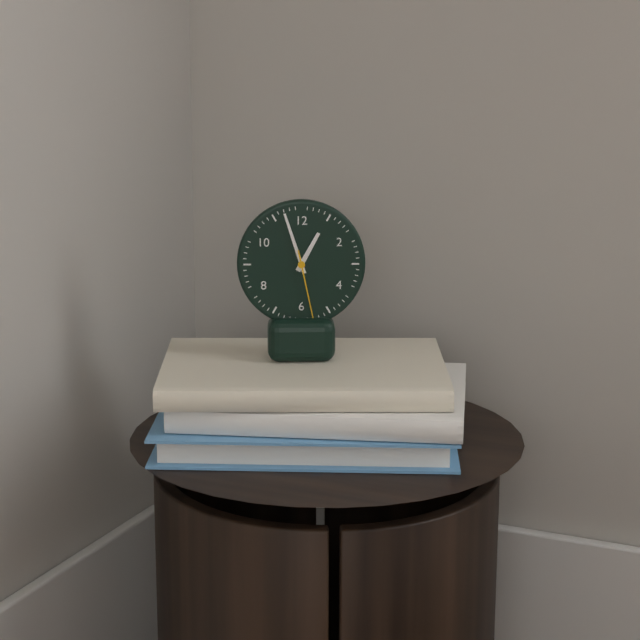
12:57:28
